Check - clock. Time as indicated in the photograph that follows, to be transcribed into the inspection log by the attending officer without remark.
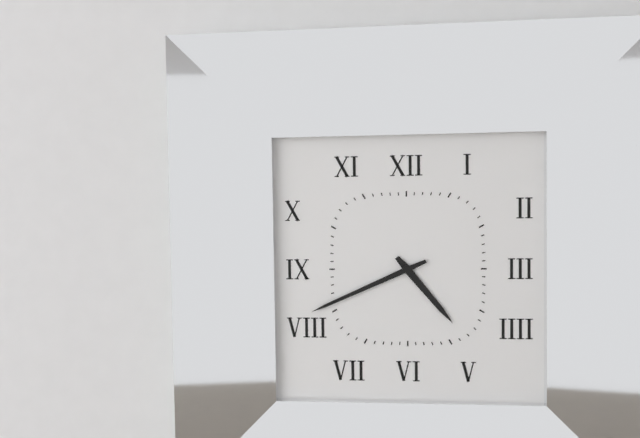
4:41
